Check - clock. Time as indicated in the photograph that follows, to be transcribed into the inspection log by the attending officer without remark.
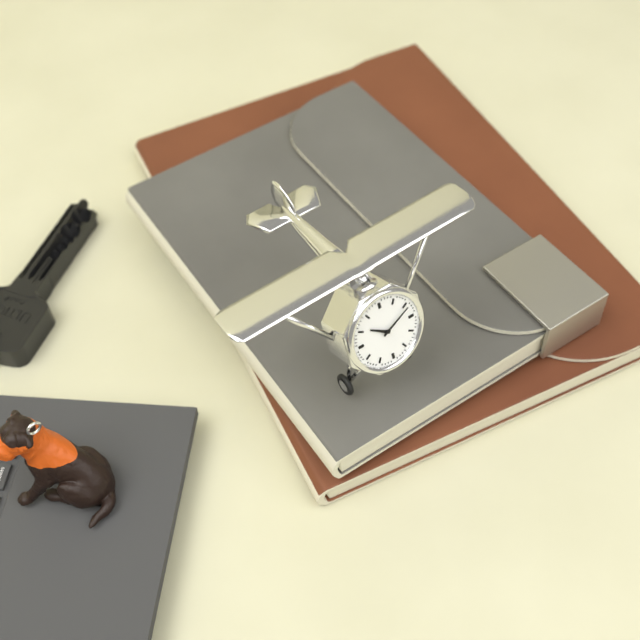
10:11
